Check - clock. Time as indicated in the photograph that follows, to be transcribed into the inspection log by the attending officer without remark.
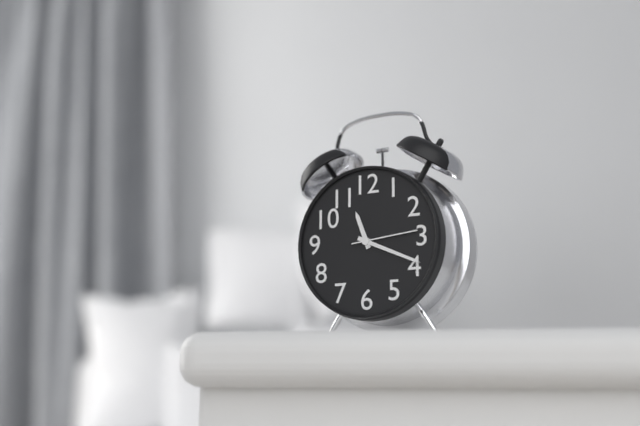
11:19:14
